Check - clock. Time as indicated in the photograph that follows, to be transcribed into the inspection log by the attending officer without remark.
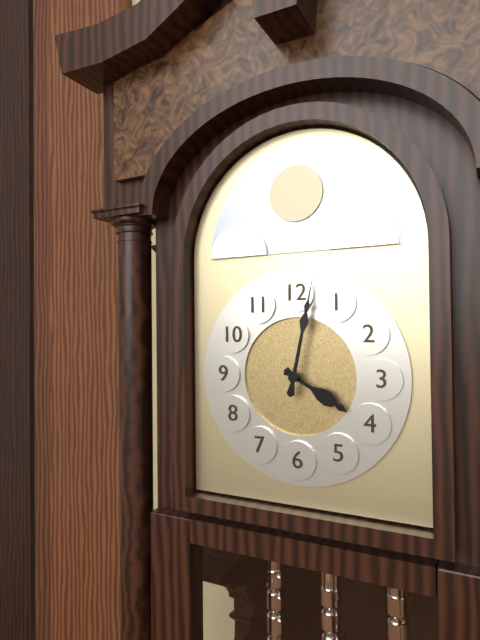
4:02
